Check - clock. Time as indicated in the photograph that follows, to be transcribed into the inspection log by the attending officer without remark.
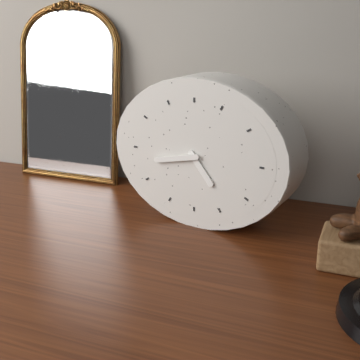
4:43
